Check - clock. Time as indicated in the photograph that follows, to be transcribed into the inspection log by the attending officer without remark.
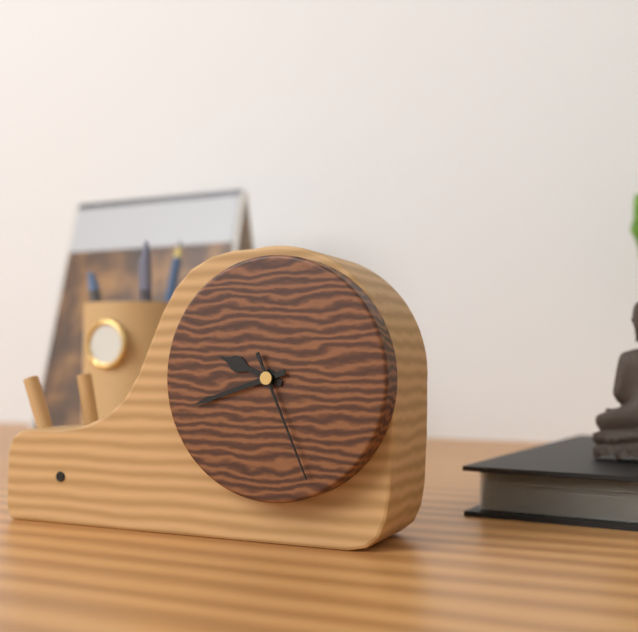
9:42:26
